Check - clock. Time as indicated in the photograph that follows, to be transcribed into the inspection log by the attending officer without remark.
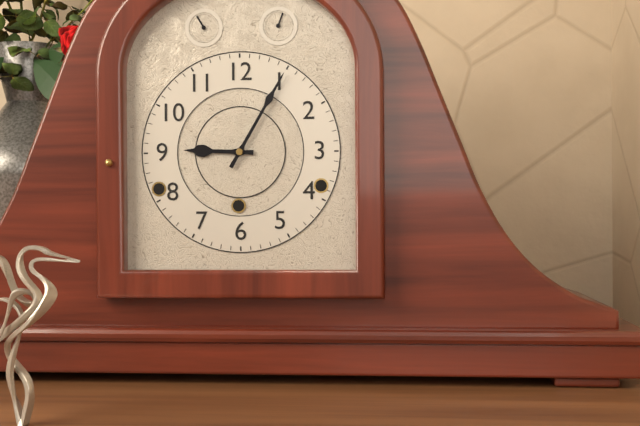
9:05
